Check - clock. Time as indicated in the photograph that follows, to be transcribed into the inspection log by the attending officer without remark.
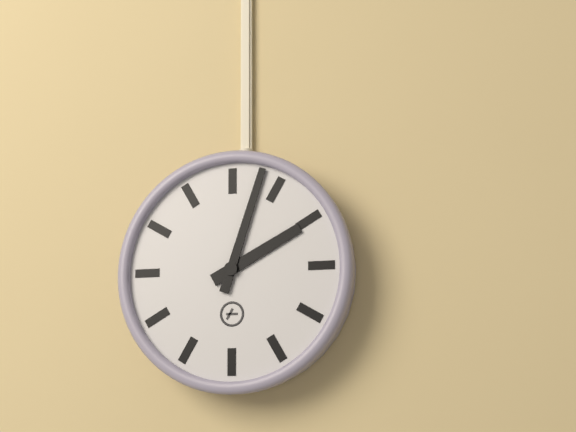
2:03
